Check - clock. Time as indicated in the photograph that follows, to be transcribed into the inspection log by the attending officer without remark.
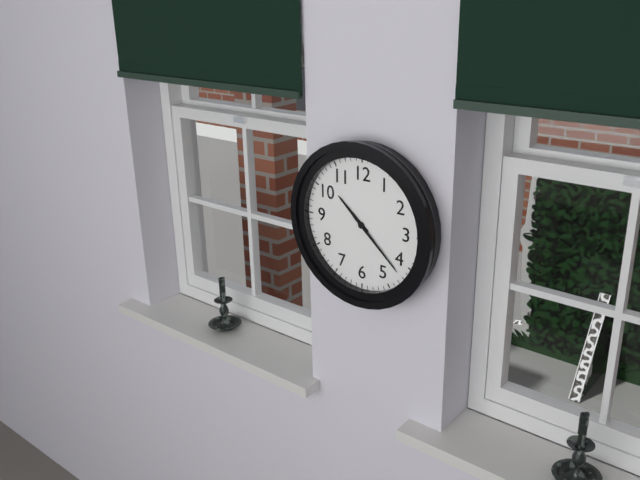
10:22
